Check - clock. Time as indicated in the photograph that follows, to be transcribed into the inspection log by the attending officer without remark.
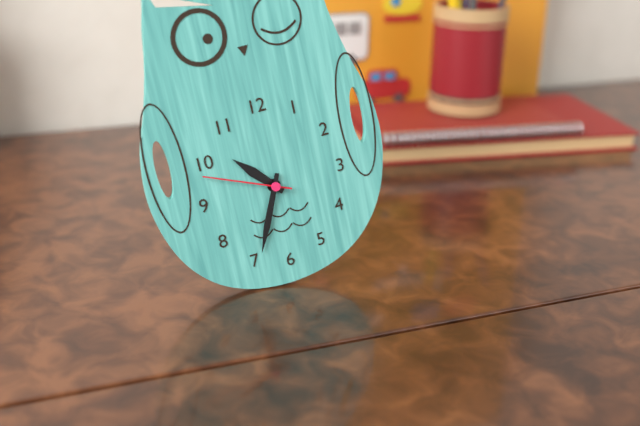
10:34:49
